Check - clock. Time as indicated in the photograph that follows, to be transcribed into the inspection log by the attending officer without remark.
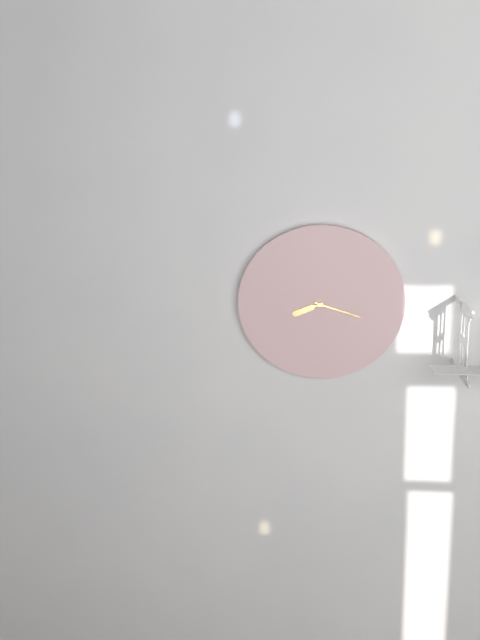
8:18
